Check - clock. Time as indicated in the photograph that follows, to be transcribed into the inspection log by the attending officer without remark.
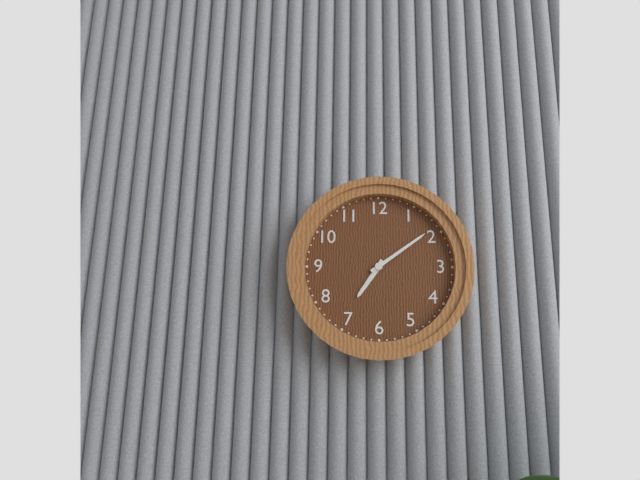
7:09
